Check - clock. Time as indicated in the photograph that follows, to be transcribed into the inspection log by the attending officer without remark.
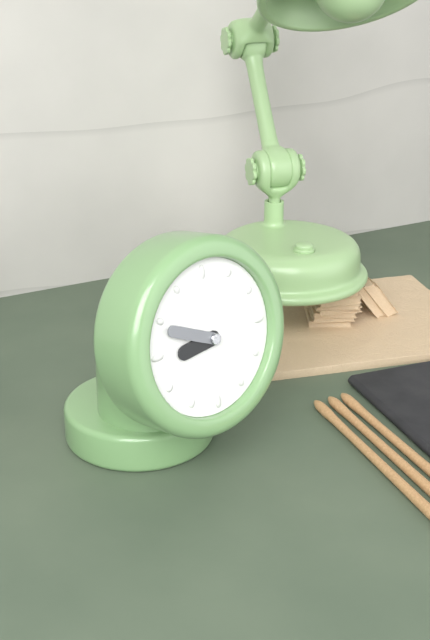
8:49
